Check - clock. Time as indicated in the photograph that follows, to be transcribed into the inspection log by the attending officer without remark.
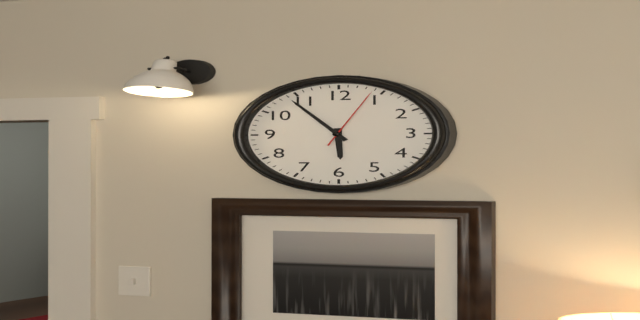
5:54:04
